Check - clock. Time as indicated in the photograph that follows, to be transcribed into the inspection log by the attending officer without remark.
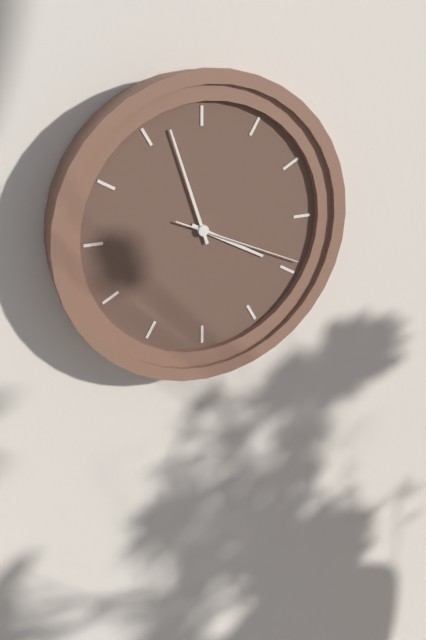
3:57:19
